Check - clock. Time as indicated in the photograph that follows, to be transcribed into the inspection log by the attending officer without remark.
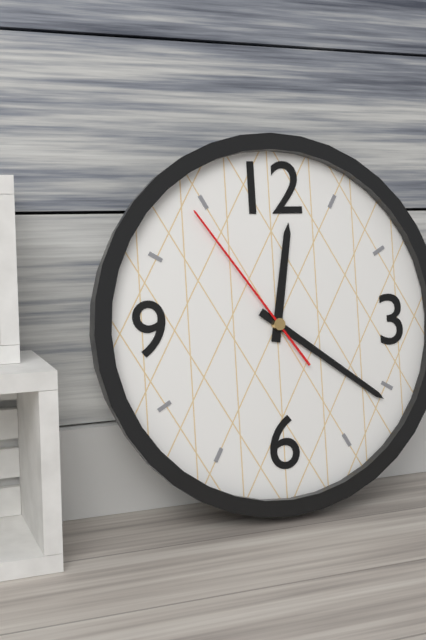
12:21:54
